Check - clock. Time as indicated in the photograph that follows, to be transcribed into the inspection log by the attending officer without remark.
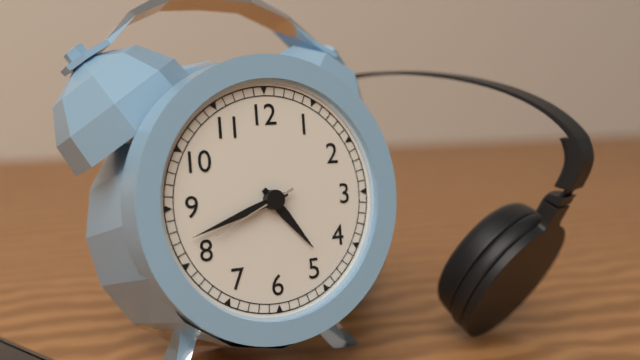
4:42:41
